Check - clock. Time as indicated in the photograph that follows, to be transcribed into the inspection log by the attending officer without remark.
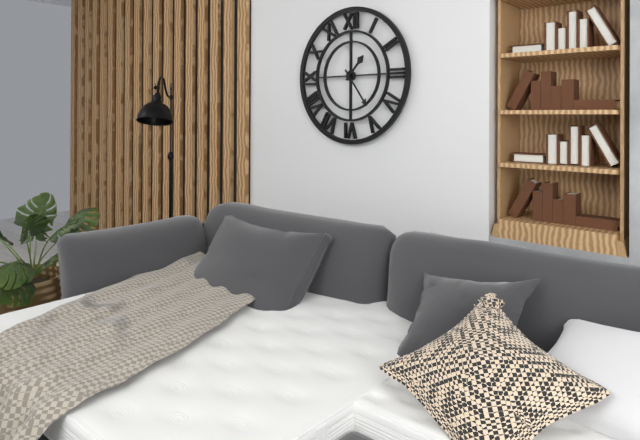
1:24
